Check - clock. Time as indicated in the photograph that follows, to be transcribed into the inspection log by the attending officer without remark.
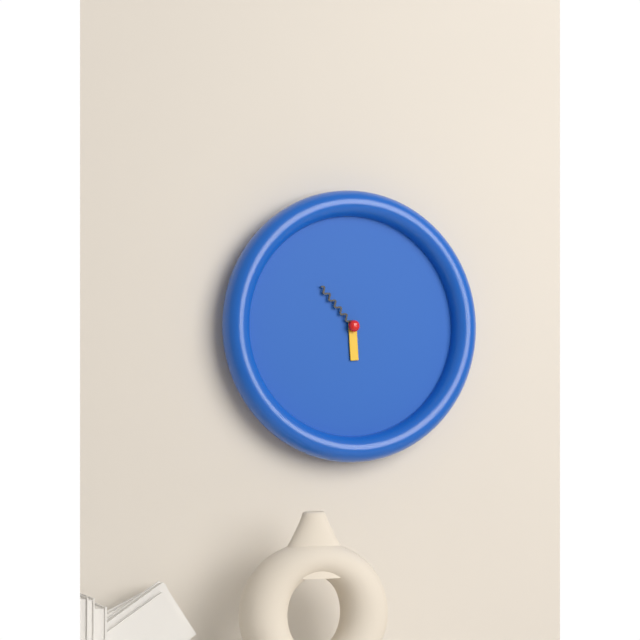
5:53
